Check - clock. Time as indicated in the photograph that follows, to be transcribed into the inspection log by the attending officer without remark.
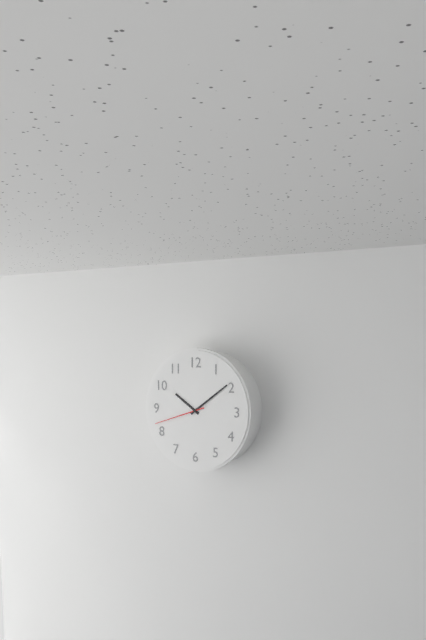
10:09:42
